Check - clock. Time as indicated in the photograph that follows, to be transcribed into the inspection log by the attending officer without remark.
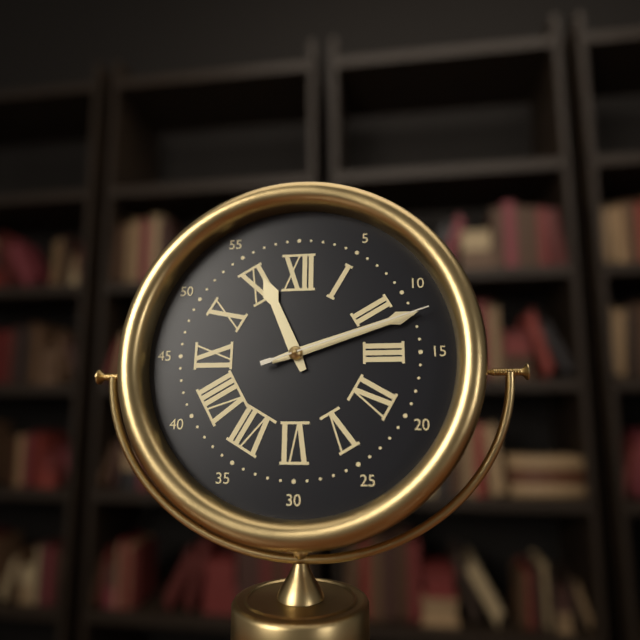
11:12:12
